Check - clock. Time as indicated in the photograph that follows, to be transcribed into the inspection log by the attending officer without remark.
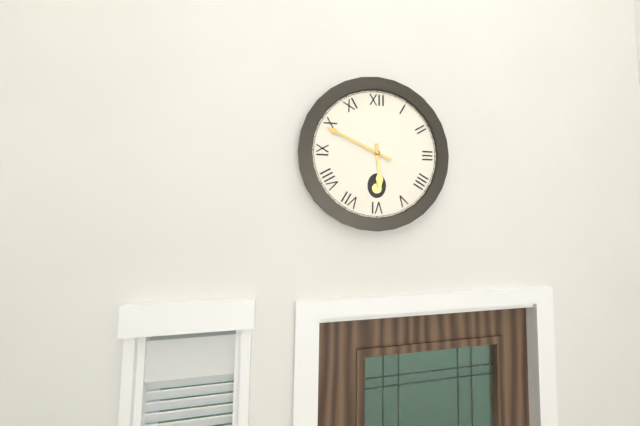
5:49
